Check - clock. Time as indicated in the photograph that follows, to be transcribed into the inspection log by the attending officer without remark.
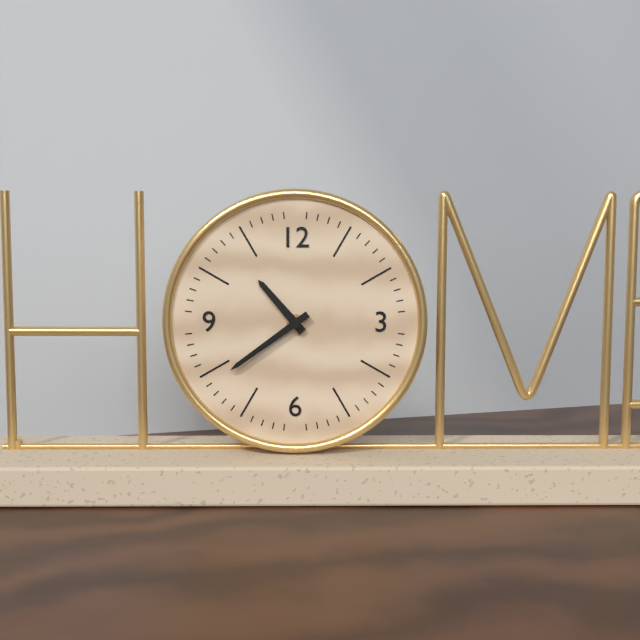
10:39
